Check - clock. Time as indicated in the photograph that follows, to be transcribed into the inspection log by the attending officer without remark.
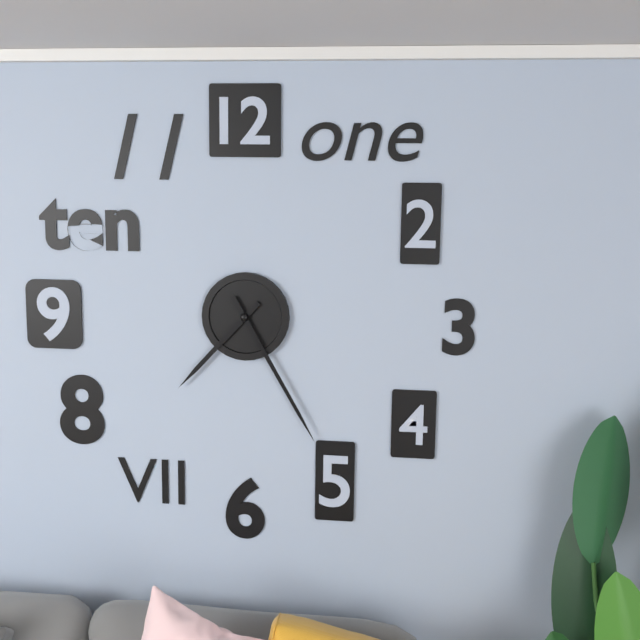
7:25
